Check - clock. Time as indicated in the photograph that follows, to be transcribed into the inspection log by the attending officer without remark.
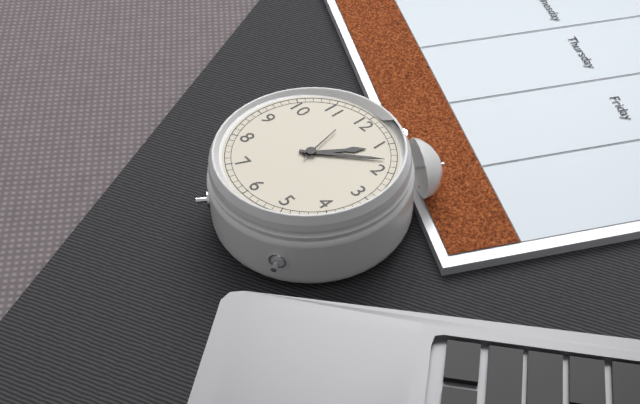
1:08
